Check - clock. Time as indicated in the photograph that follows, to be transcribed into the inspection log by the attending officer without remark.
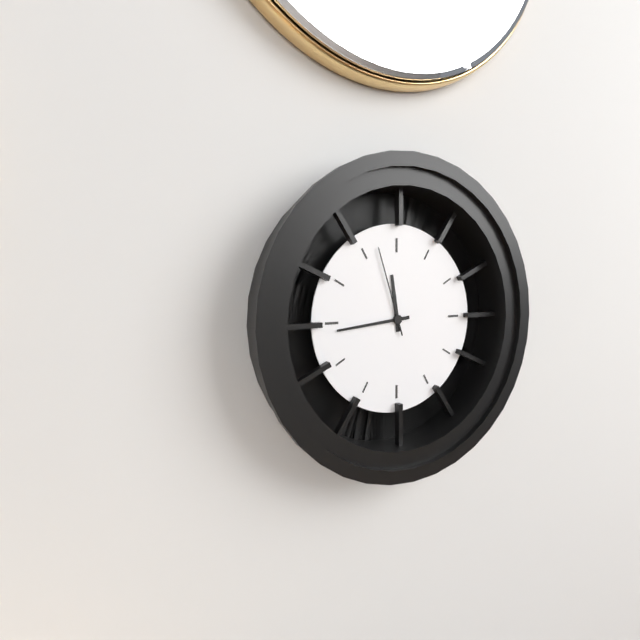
11:44:57
